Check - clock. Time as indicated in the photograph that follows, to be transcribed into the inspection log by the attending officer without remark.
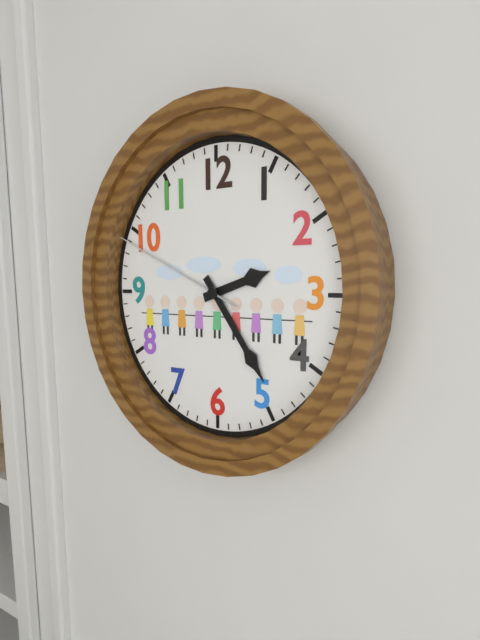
2:24:49
